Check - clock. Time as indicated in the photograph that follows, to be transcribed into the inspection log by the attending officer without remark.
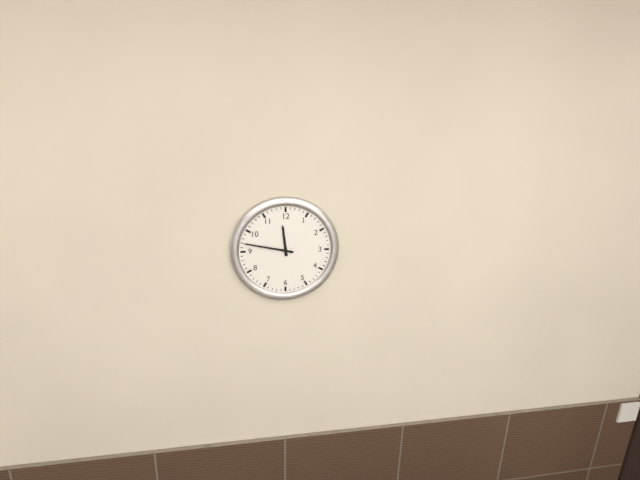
11:47
